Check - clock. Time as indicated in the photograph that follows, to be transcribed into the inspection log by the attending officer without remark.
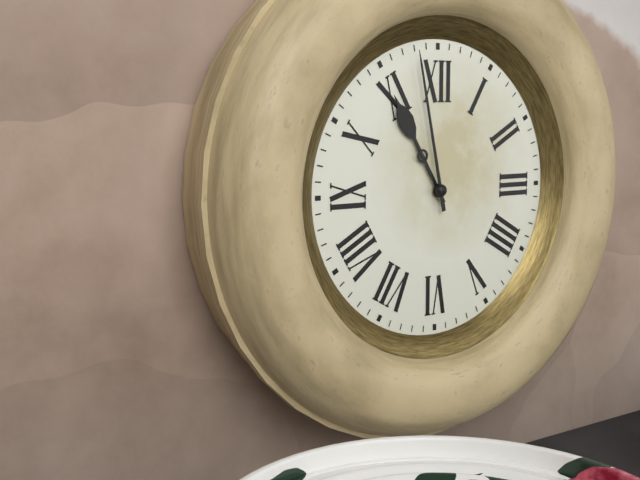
10:58
